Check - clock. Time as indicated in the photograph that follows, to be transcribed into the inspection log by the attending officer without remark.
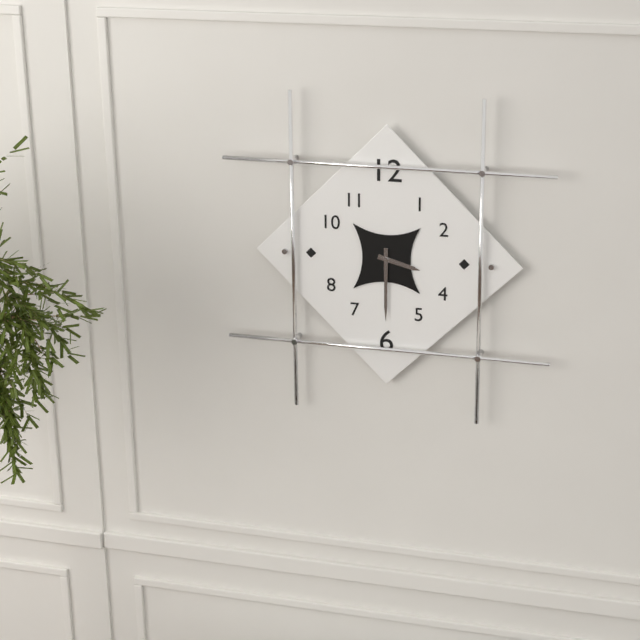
3:30
